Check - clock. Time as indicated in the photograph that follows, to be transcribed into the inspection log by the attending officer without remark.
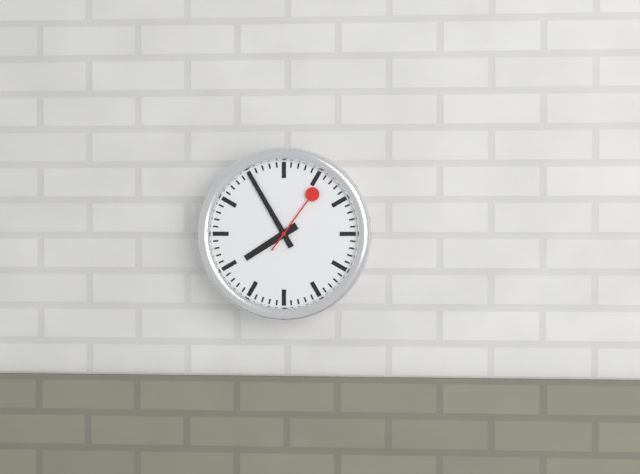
7:55:06
